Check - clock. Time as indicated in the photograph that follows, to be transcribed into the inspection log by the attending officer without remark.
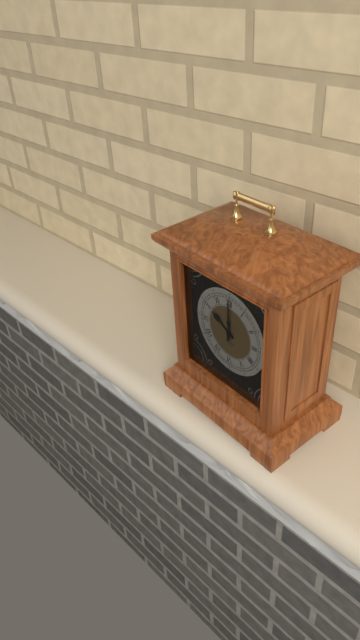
10:00
